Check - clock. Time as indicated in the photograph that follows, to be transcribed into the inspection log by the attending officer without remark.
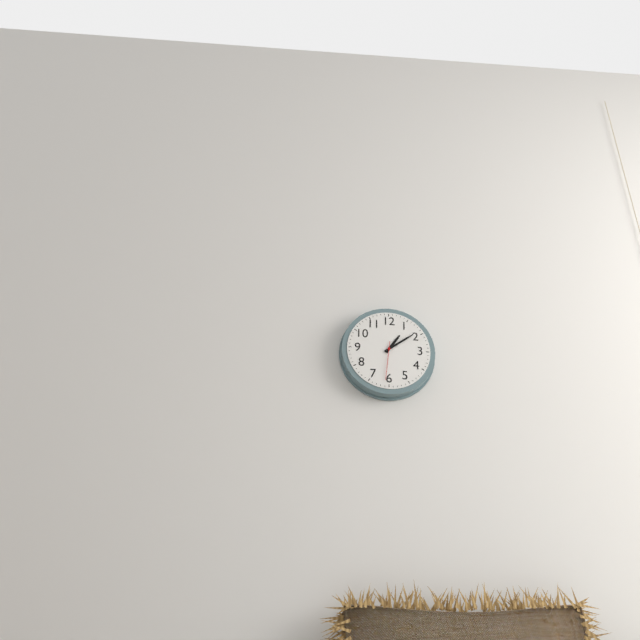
1:09
